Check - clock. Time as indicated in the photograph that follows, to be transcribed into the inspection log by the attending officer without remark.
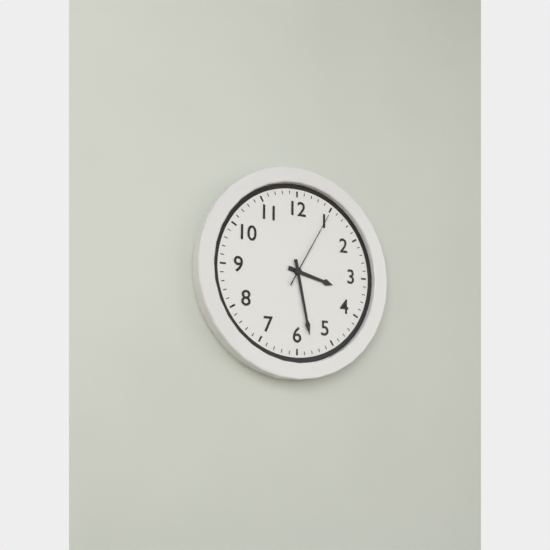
3:28:05
